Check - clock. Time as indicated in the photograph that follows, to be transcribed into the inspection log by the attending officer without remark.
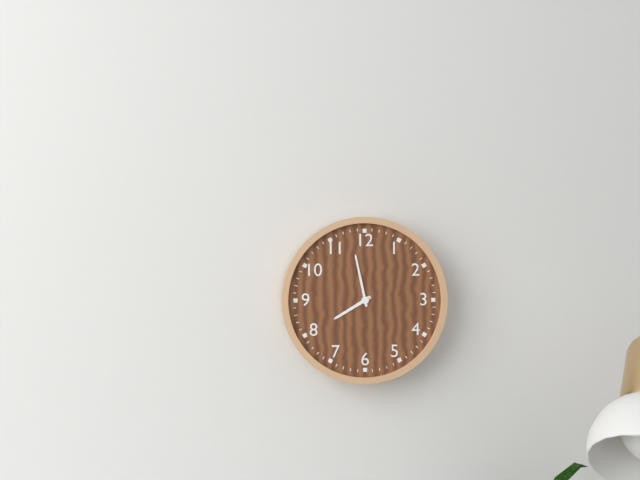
7:58
